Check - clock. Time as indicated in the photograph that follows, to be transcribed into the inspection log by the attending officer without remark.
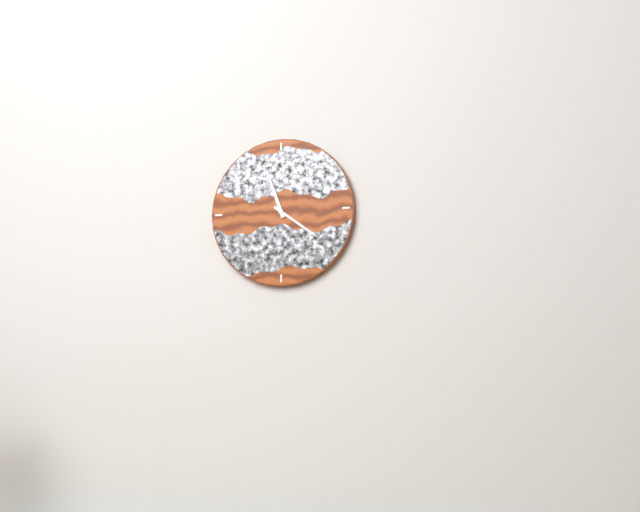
11:21
